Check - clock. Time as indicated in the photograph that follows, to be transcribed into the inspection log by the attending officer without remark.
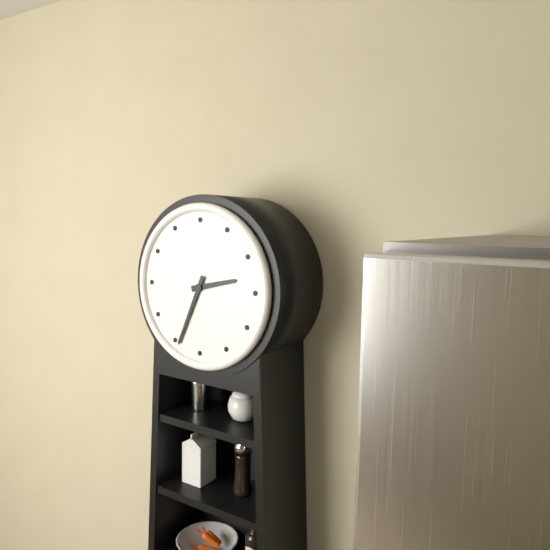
2:34
